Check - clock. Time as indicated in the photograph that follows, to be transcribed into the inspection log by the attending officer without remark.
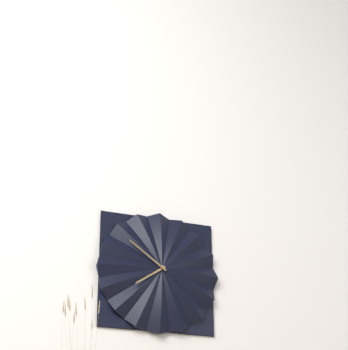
7:51
